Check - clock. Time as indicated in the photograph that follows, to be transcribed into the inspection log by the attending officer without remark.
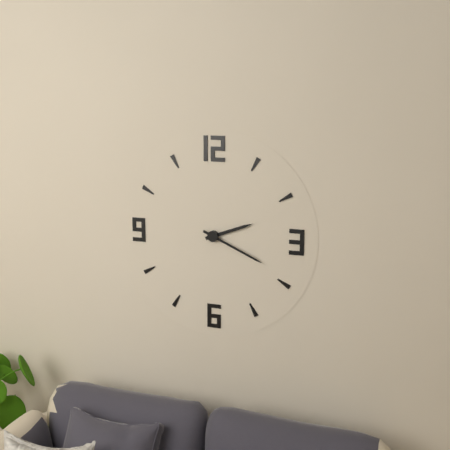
2:19
